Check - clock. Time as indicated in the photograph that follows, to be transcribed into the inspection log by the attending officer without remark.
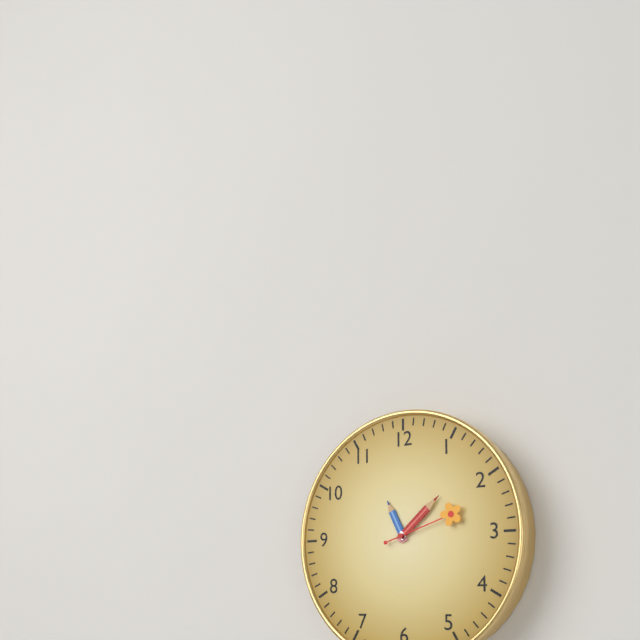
11:08:12
